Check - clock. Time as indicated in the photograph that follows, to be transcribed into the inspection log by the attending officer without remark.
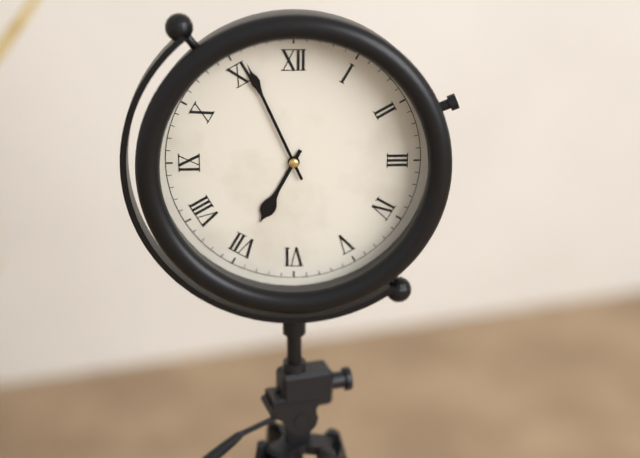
6:56
